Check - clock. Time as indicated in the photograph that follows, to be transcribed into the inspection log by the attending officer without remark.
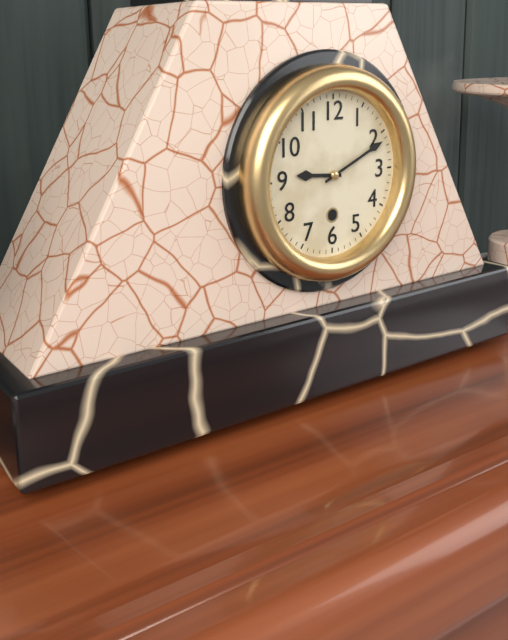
9:11
